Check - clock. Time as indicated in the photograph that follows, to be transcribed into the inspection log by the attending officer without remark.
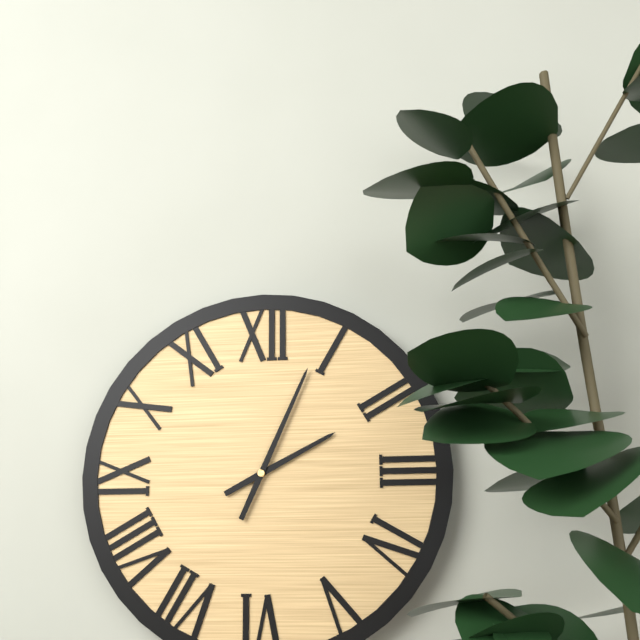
2:04
